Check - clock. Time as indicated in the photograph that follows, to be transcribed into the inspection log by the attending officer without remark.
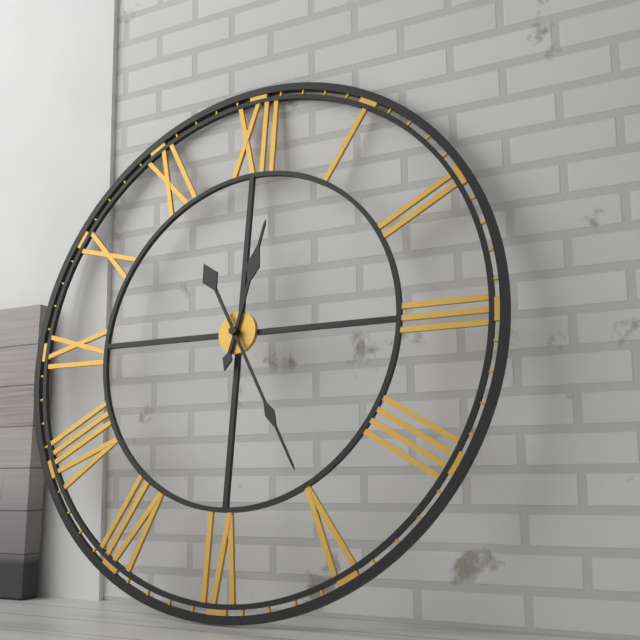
12:25
